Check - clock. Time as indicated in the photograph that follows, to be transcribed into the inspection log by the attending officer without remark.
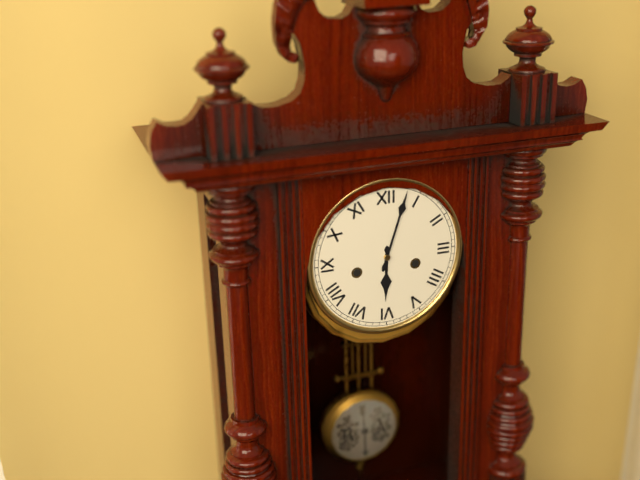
6:03
